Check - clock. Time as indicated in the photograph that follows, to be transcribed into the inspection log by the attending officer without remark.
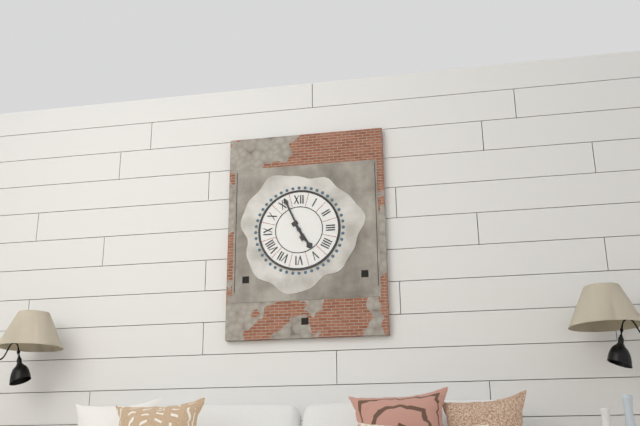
4:56
